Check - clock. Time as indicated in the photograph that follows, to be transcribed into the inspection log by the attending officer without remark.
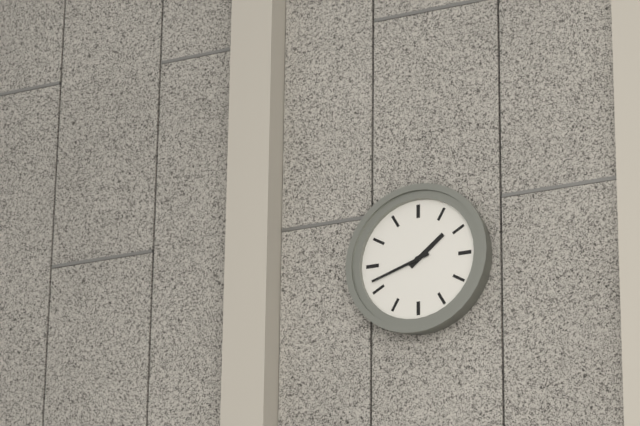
1:42
